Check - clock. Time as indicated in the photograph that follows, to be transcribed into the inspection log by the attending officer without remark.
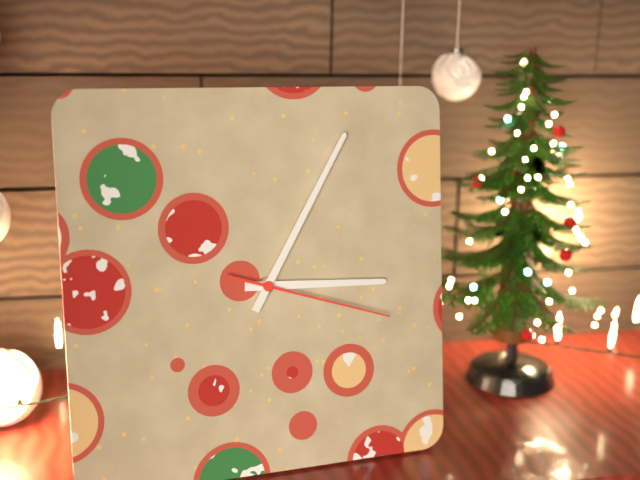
3:05:18
